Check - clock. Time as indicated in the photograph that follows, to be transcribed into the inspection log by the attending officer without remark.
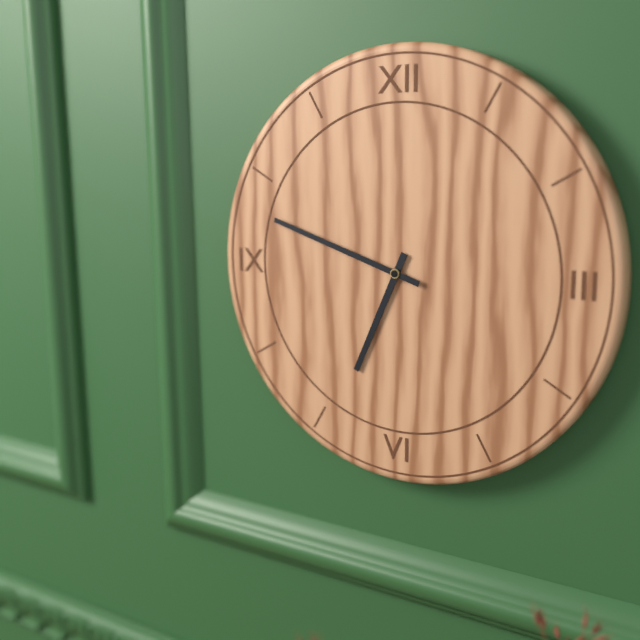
6:48
